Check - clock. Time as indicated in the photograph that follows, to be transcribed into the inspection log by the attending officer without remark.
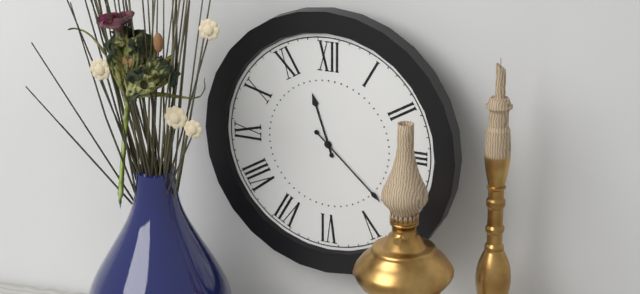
11:22
